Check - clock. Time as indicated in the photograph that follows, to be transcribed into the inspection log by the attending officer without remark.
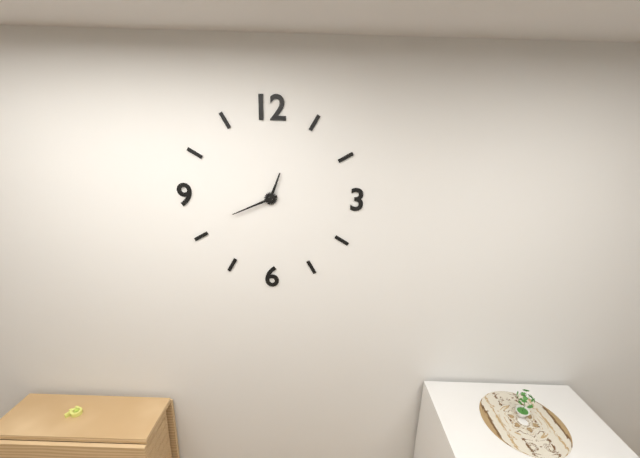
12:41
